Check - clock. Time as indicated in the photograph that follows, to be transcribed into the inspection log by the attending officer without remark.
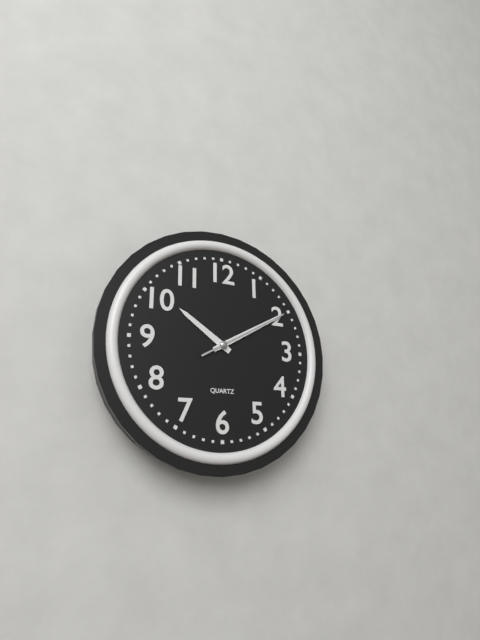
10:10:10
